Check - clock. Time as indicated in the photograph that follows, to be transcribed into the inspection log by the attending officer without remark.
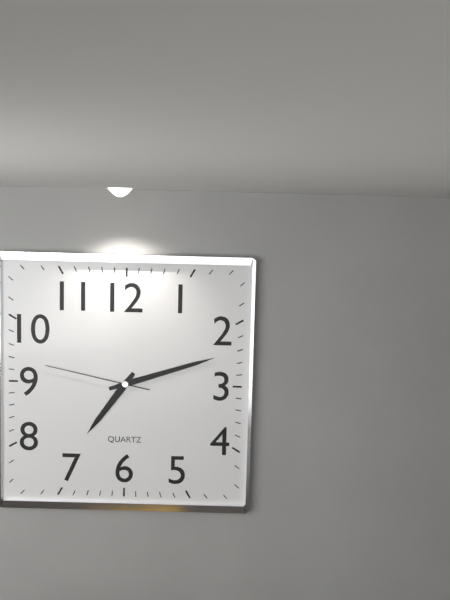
7:12:47
